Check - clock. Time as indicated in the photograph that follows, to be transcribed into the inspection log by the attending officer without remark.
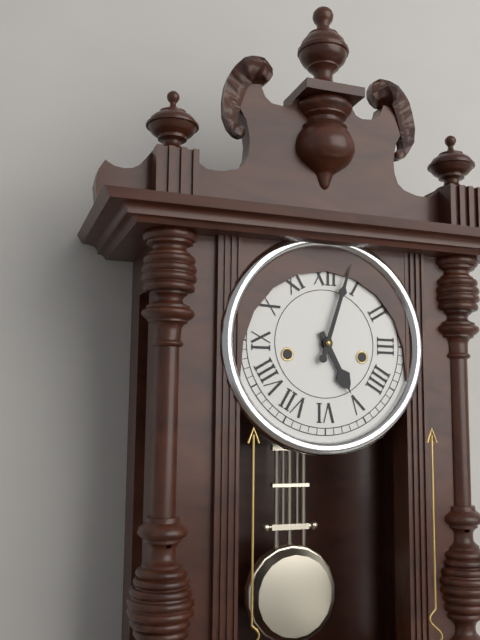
5:03
